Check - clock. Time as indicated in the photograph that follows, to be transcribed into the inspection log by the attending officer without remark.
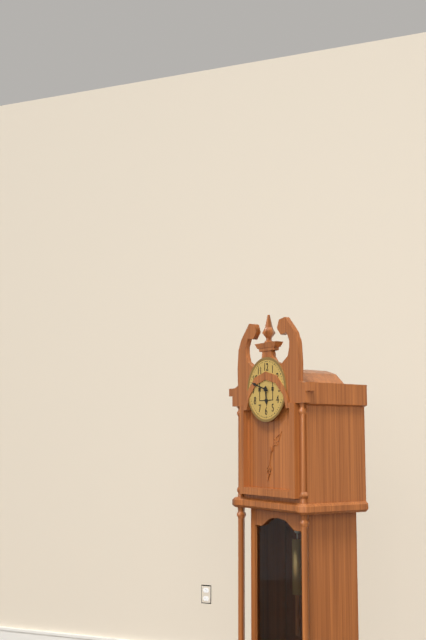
5:48
